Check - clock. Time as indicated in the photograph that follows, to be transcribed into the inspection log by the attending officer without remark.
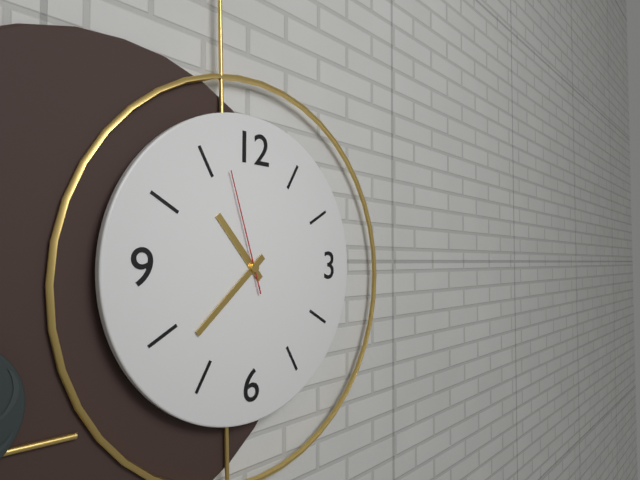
10:38:57
